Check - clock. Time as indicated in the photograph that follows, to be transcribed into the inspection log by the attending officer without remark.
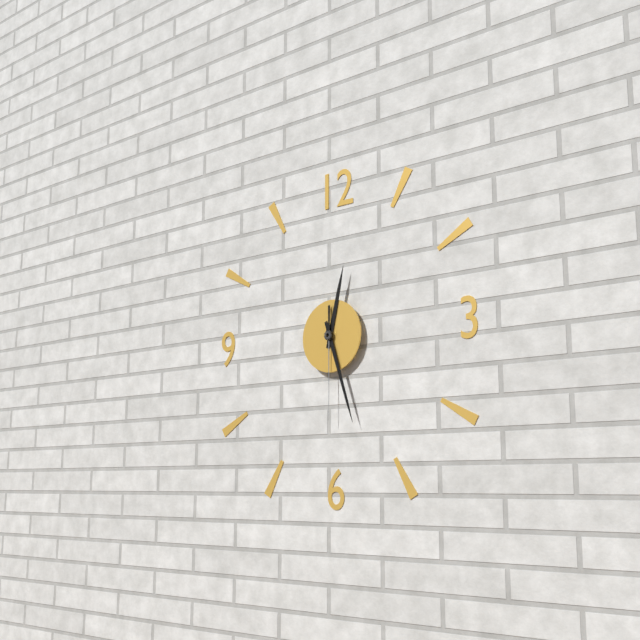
12:27:30
